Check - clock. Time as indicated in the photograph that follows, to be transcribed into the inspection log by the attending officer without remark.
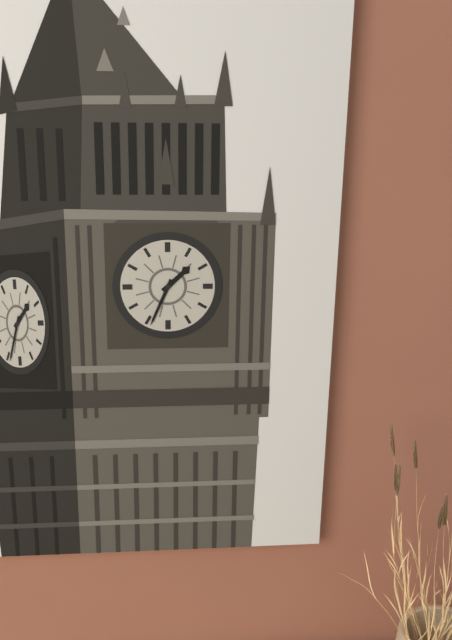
1:34
